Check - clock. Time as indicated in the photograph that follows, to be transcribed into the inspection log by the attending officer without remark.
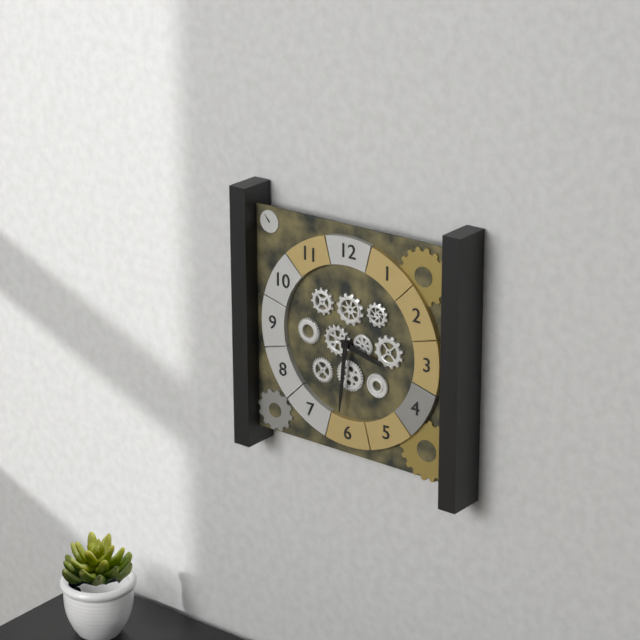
3:31
